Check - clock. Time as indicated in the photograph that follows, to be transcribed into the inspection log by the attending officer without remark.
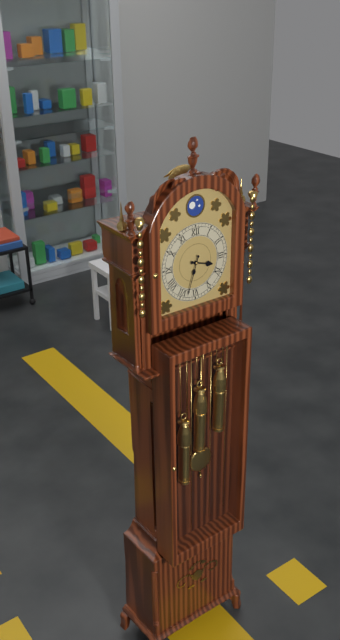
3:33
